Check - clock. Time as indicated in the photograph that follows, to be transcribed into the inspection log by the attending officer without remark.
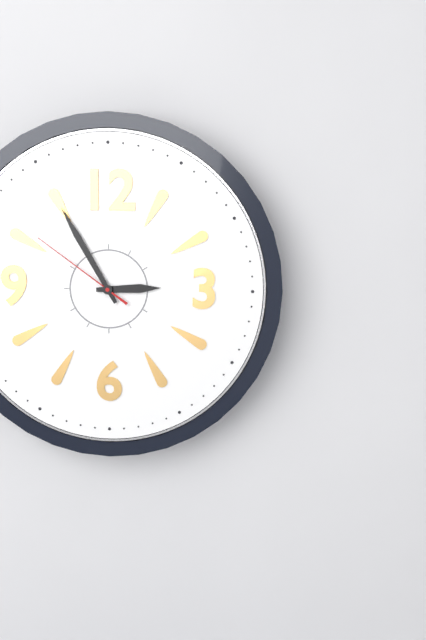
2:55:51
